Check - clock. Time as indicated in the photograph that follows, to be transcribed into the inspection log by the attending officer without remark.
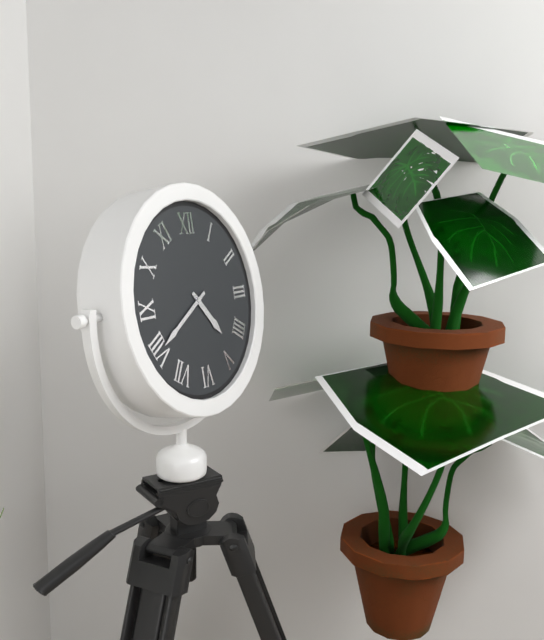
4:40
